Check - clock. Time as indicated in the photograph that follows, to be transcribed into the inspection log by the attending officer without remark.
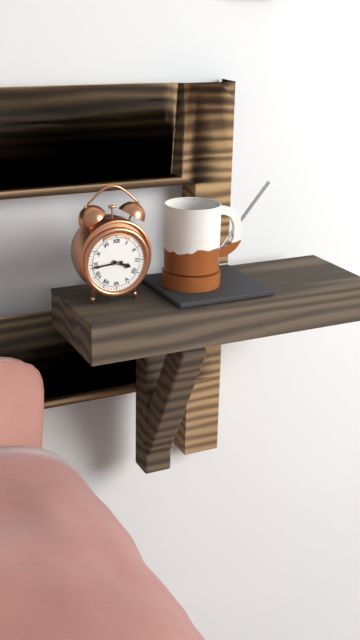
3:44
